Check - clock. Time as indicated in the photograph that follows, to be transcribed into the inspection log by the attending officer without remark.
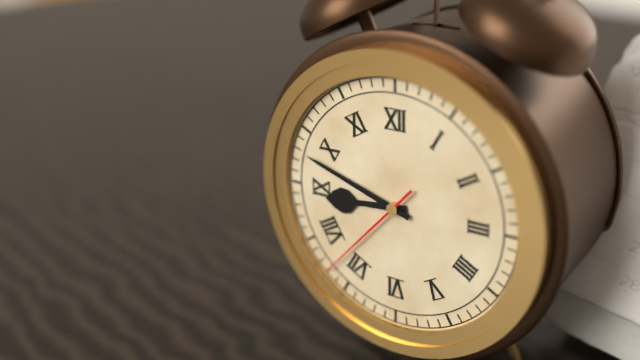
8:48:37
